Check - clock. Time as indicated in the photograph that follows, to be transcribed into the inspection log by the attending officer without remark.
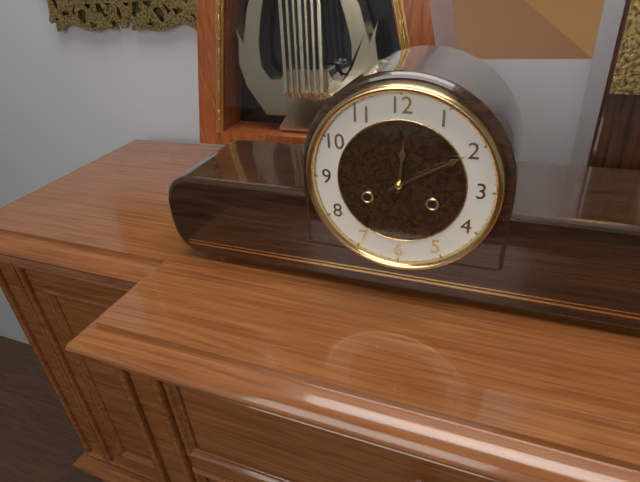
12:10
